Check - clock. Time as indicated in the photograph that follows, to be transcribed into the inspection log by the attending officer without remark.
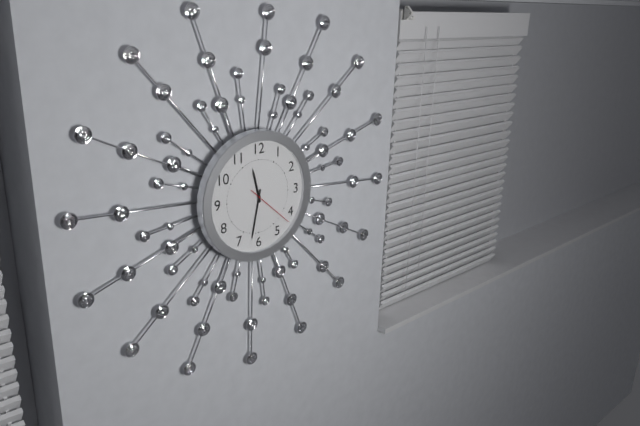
11:32
